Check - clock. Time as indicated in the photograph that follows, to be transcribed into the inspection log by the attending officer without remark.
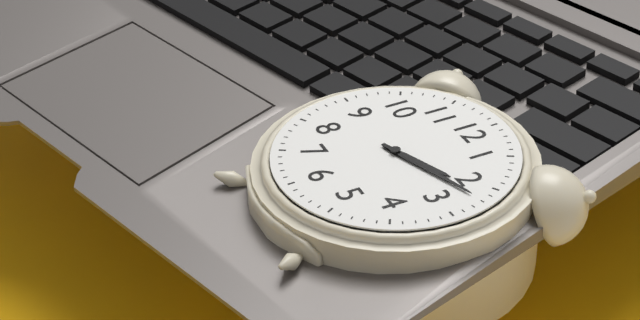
2:12
